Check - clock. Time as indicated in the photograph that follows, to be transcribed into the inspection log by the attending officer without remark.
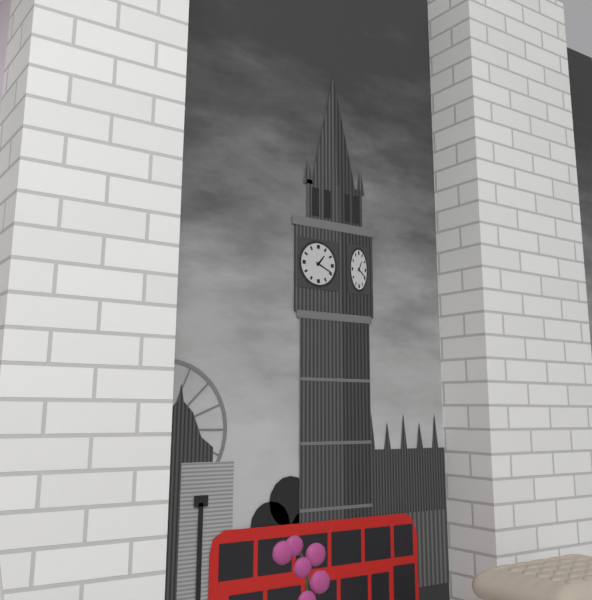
1:19
